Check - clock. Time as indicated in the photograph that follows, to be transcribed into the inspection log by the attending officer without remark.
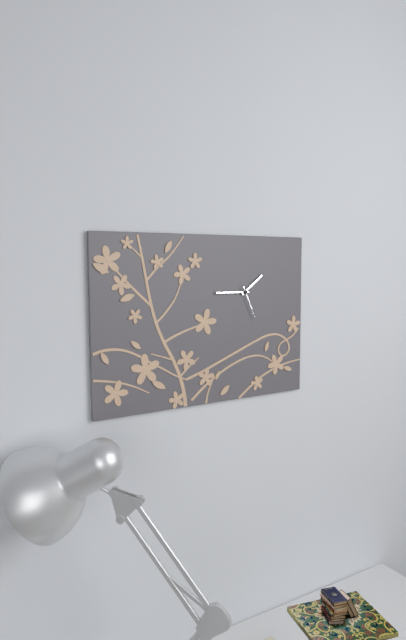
1:45
